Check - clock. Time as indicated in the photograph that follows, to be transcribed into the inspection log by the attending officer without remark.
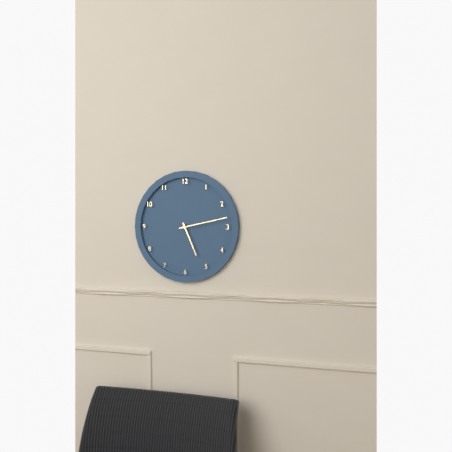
5:13
